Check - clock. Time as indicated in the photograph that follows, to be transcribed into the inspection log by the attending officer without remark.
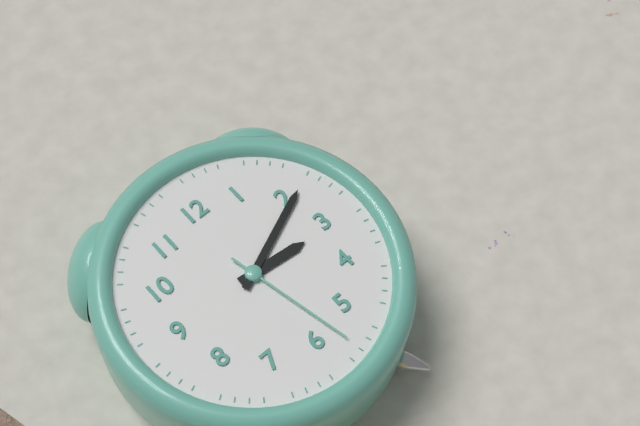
3:11:28
